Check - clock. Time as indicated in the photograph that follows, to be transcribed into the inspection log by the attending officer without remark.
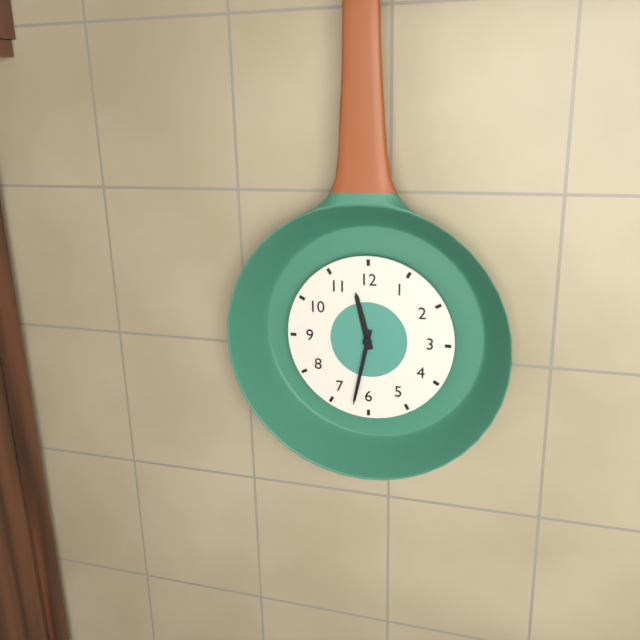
11:32
